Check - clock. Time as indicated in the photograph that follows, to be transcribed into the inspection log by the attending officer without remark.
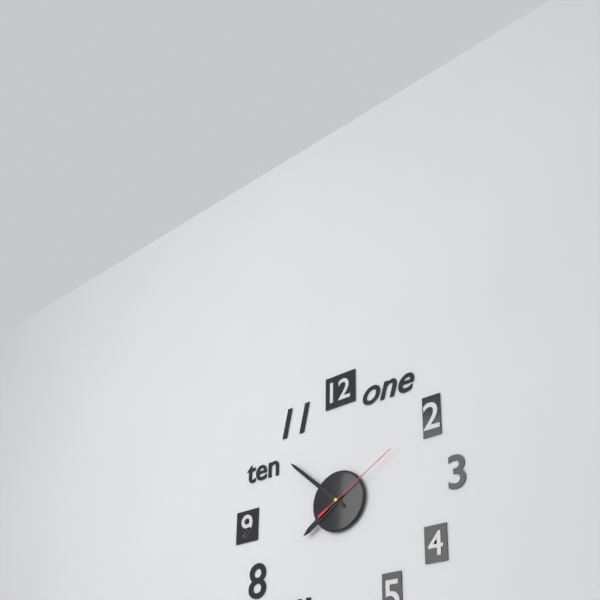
7:52:10
